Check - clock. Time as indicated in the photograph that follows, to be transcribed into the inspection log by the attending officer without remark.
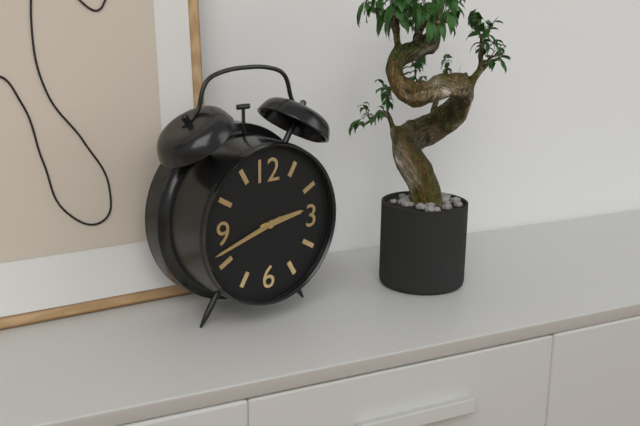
2:42
